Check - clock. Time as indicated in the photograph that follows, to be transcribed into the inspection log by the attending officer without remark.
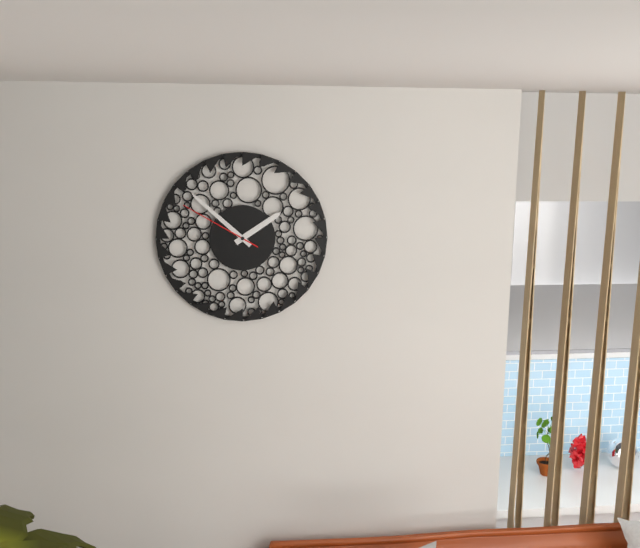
1:52:50
